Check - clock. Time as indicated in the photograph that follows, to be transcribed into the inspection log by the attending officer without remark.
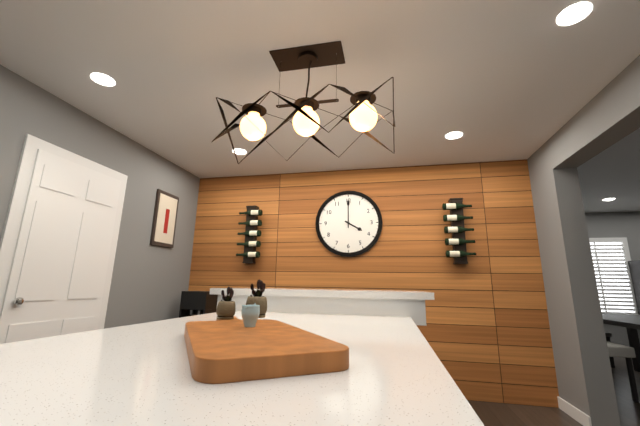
4:00
